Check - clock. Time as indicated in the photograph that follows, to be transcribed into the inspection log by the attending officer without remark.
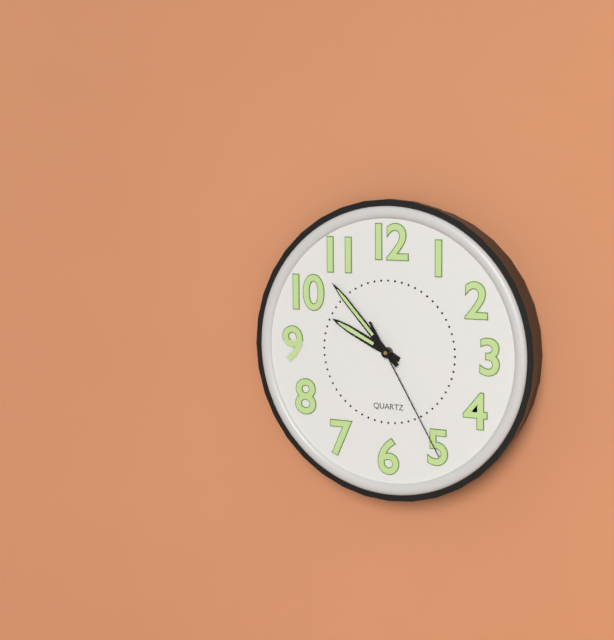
9:53:25
